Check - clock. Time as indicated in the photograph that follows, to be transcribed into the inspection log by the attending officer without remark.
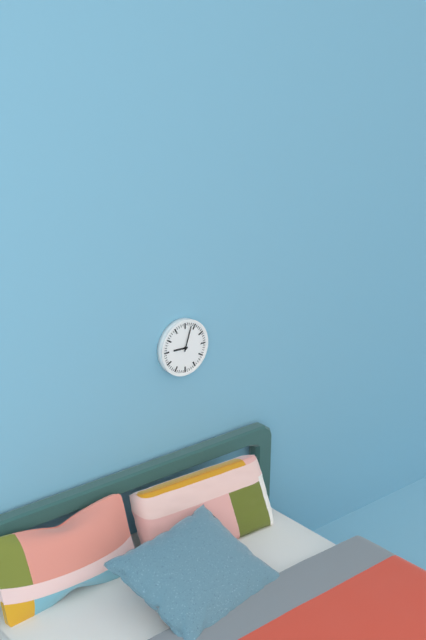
9:03
